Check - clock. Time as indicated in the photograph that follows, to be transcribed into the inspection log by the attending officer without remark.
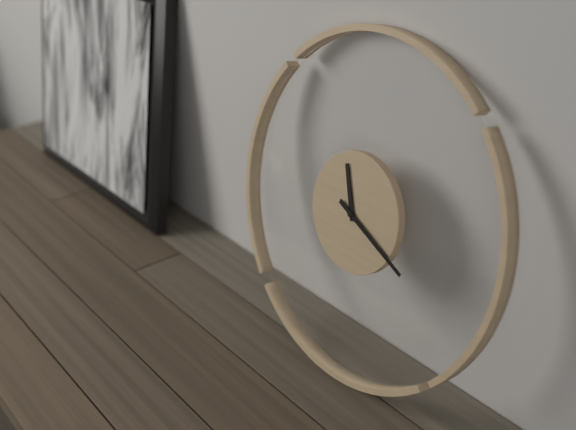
11:19
